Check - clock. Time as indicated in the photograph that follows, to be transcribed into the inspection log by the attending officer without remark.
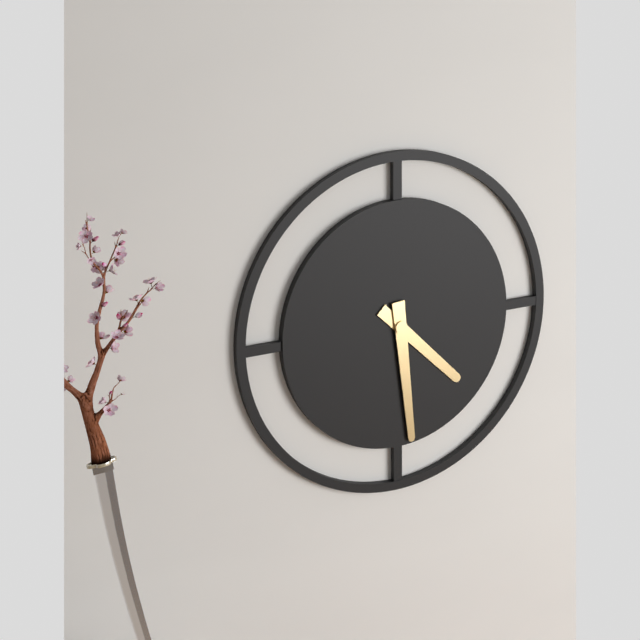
4:29
